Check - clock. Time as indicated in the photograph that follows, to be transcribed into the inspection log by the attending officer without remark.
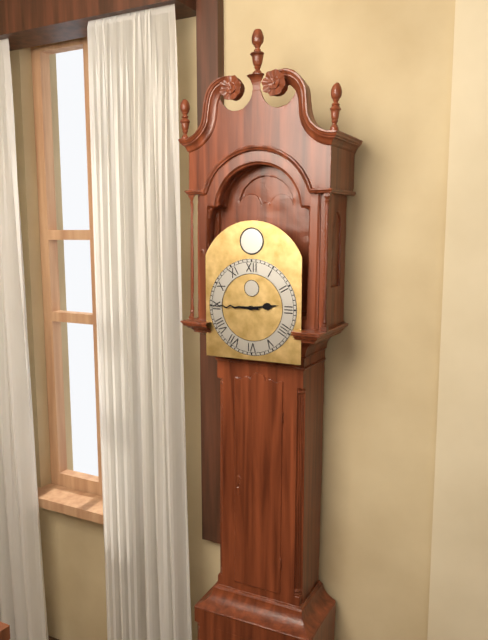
2:45
